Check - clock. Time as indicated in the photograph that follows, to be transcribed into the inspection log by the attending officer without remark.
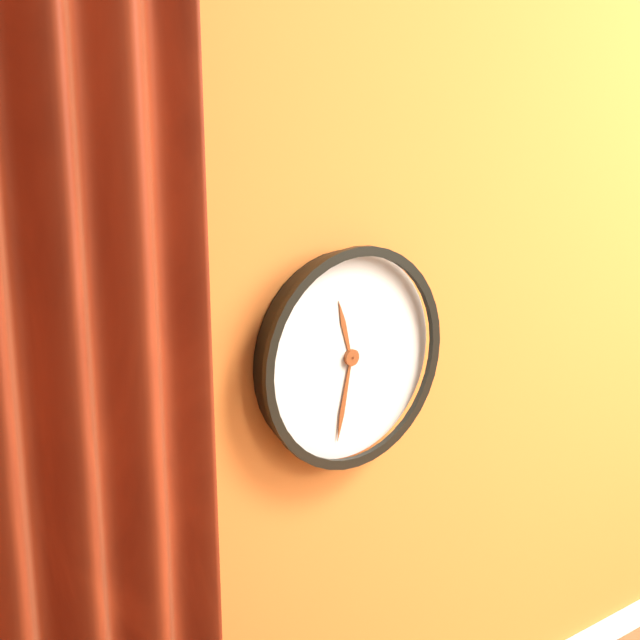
11:32
